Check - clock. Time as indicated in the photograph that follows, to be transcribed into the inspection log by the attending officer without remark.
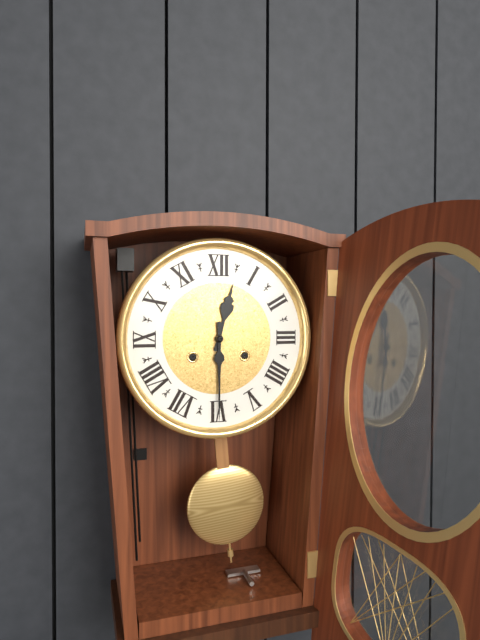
12:30
